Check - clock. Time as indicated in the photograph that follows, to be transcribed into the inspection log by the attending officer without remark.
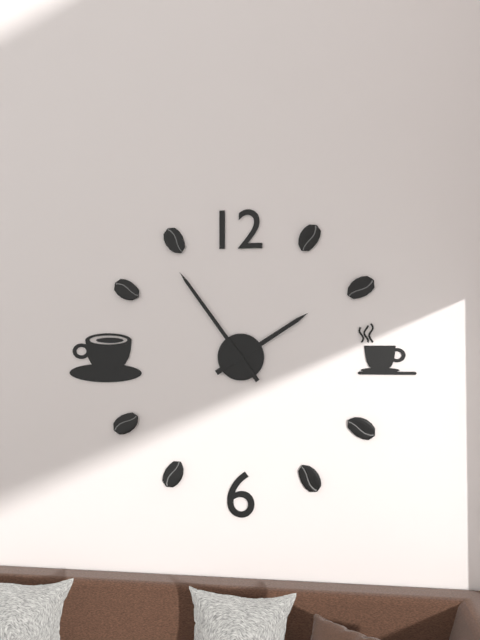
1:54
